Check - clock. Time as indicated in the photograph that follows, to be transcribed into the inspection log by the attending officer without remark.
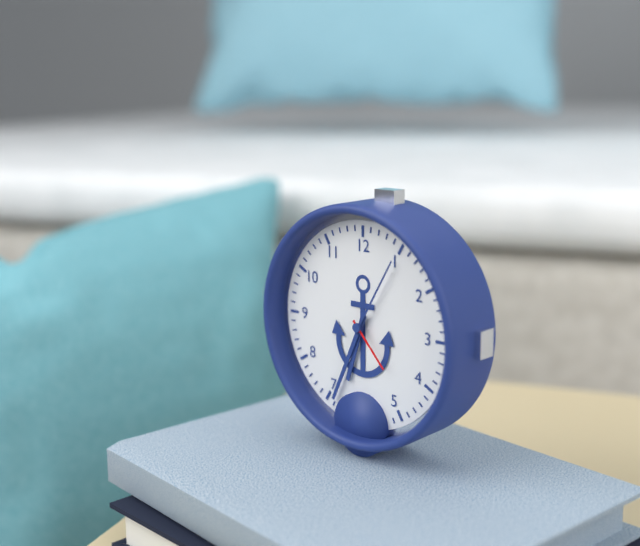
6:34:23
